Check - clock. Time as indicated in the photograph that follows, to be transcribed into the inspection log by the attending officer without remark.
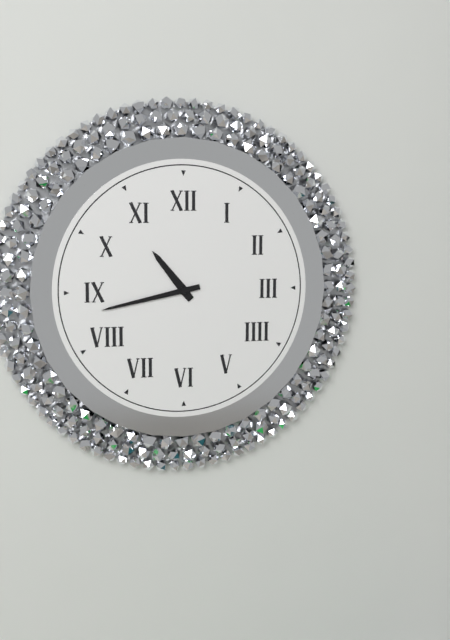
10:43
